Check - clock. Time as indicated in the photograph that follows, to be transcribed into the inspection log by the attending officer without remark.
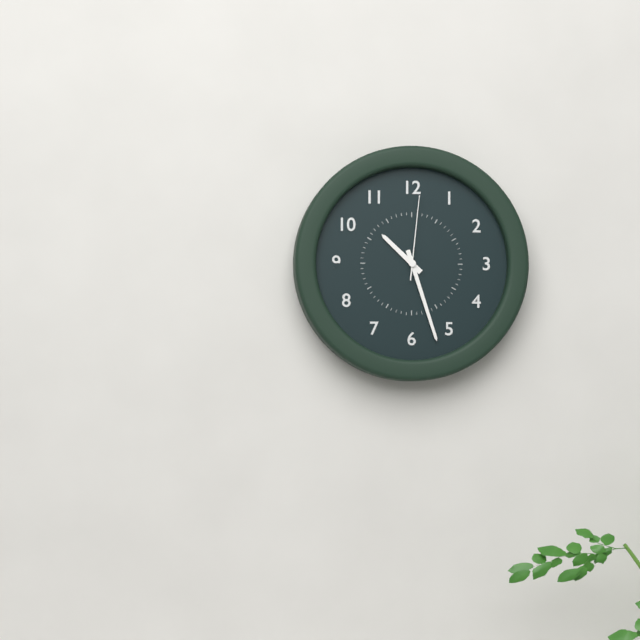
10:27:01
